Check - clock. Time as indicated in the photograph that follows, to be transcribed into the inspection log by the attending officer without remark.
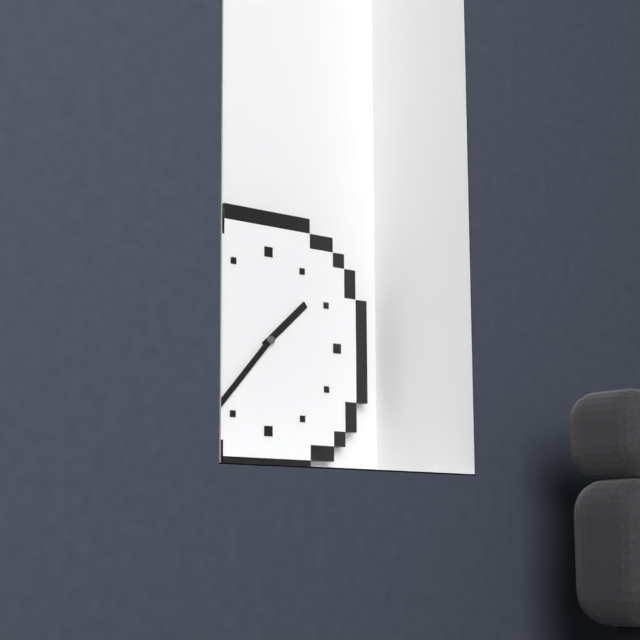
1:37
